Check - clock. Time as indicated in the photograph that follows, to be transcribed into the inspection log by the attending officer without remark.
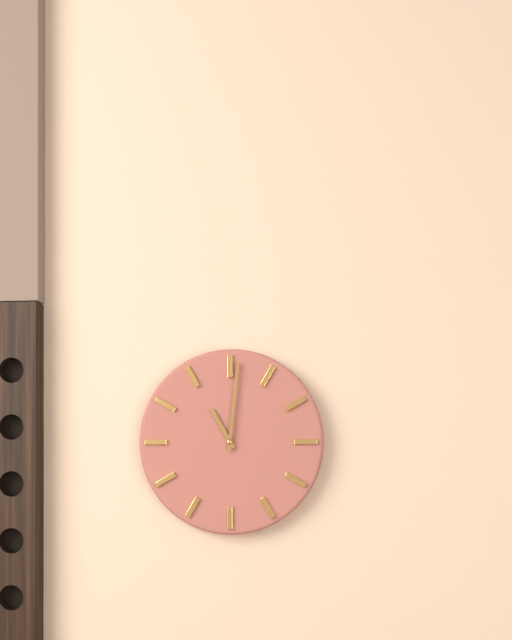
11:01
